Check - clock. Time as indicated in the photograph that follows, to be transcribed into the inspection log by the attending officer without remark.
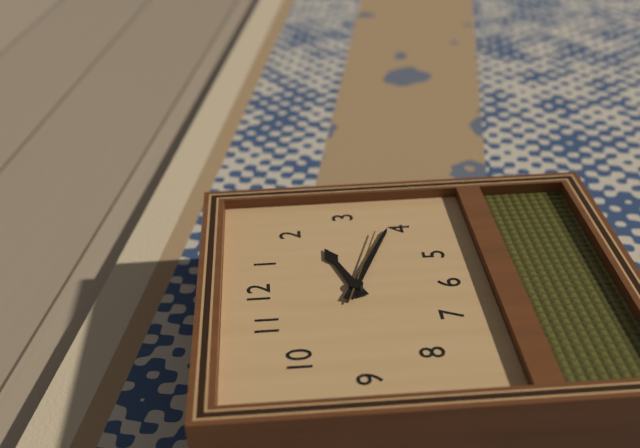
2:19:18
